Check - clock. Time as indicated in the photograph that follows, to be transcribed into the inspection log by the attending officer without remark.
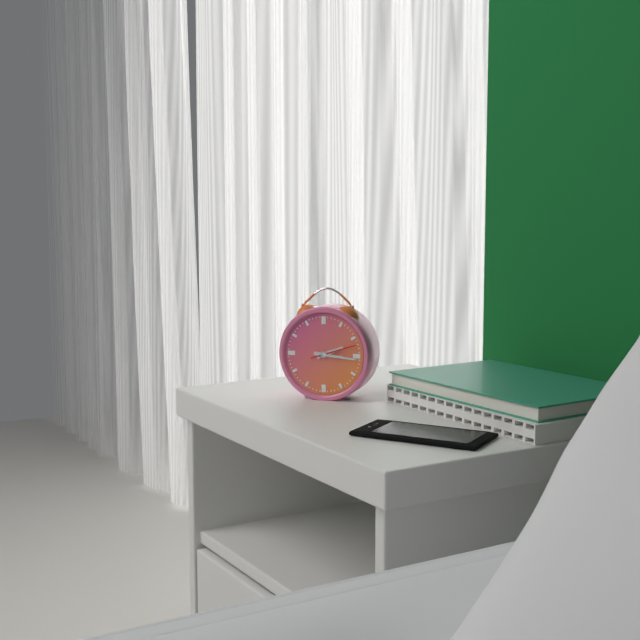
2:16
